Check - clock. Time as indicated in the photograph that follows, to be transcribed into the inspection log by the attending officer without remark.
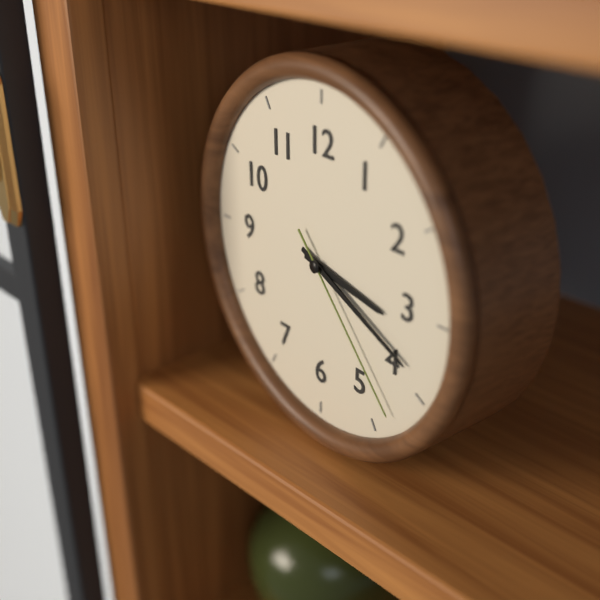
3:19:23
